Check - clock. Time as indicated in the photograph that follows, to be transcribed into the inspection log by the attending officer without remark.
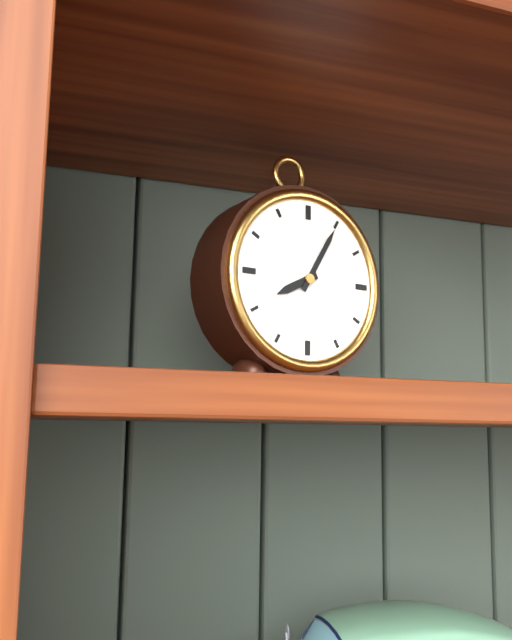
8:05
